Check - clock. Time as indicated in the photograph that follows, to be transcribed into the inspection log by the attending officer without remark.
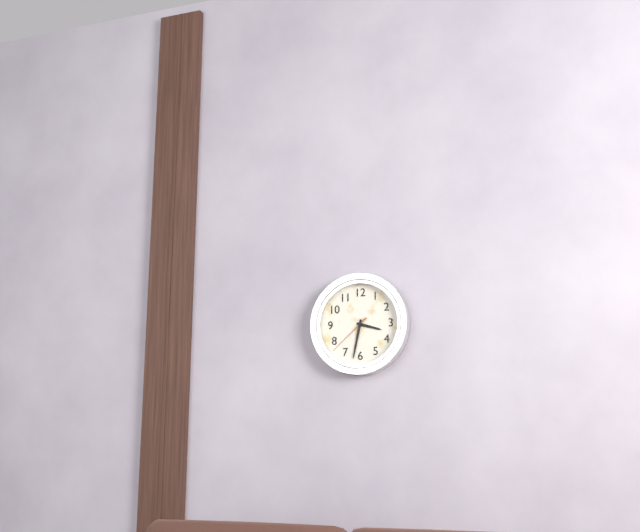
3:32
